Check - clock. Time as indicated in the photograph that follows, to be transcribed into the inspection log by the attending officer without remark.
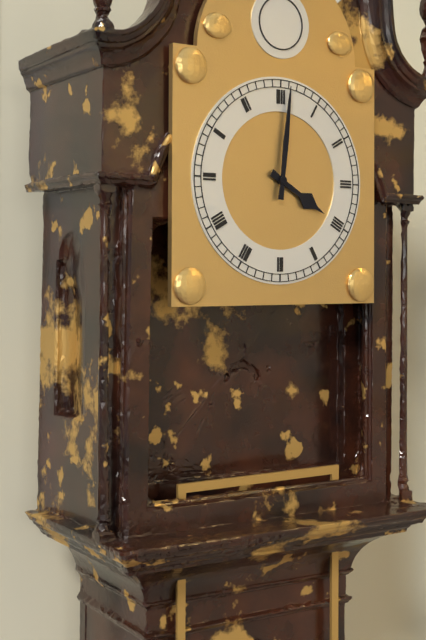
4:01
